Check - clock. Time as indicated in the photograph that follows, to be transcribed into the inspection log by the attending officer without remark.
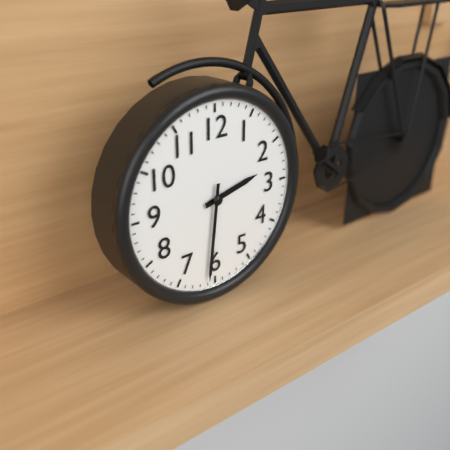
2:31
